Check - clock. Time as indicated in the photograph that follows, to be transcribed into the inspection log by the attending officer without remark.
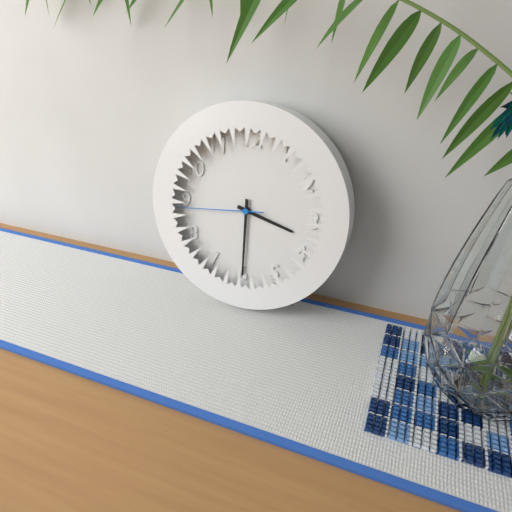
3:30:44
